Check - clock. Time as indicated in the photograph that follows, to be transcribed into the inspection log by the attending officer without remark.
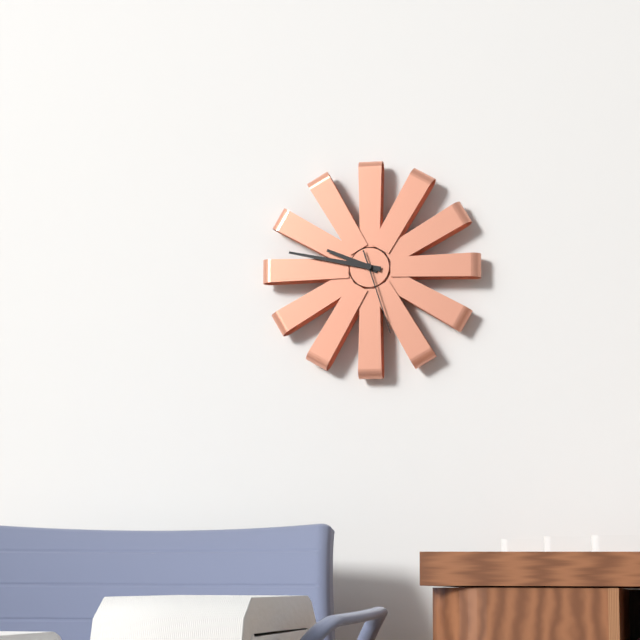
9:47:27
